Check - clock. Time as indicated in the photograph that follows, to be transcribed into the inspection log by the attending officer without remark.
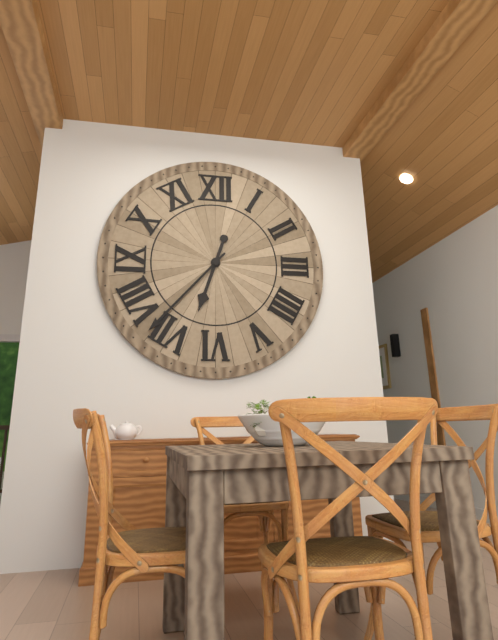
6:37
